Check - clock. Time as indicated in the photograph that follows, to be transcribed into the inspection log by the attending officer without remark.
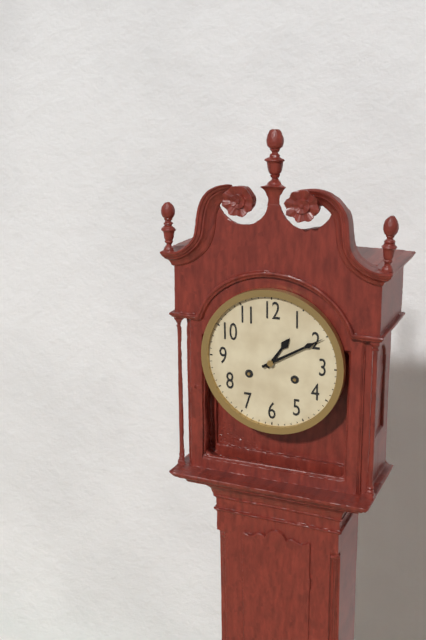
1:10
